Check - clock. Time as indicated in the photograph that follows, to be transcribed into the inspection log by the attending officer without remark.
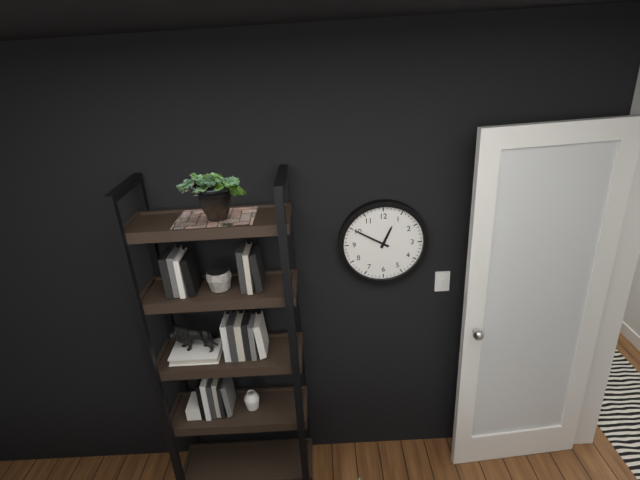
12:50
